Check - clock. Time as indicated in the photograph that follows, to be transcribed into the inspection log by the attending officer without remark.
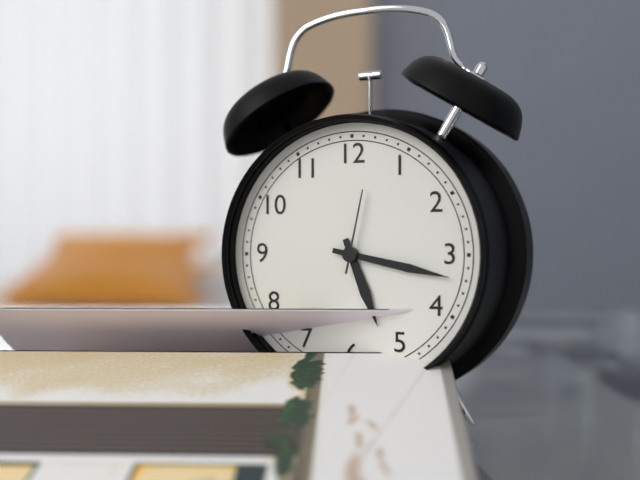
5:17:02
